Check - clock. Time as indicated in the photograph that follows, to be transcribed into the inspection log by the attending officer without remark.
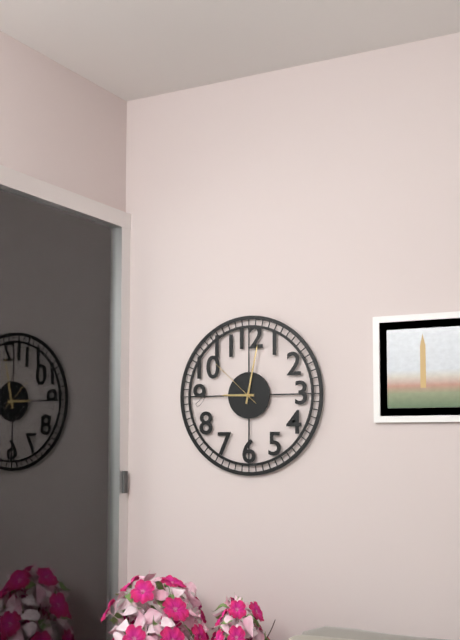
9:02:52
